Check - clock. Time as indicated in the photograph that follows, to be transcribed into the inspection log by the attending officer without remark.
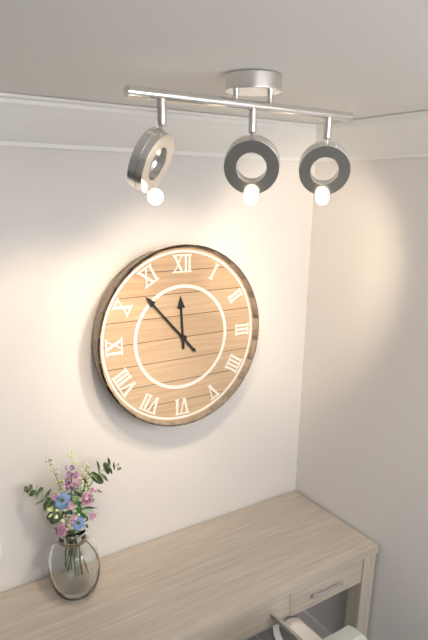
11:53
